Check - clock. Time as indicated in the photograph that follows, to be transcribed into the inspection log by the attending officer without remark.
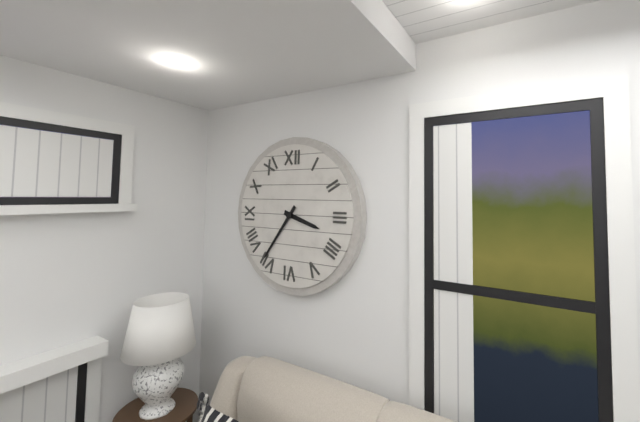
3:36
